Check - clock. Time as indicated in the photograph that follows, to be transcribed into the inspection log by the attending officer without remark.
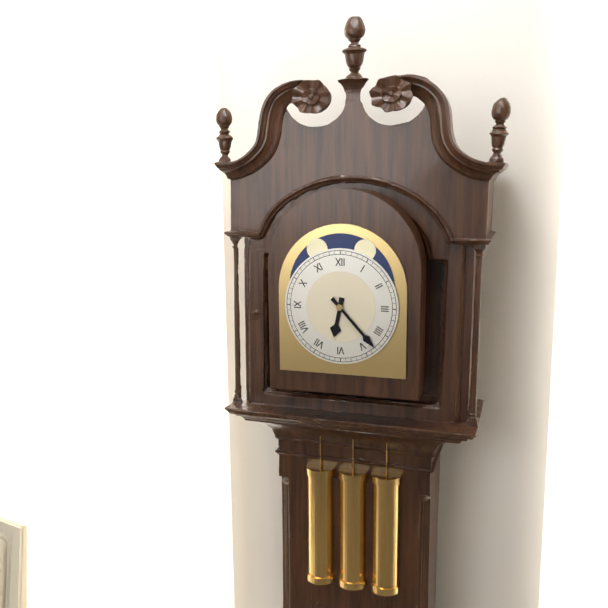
6:23
